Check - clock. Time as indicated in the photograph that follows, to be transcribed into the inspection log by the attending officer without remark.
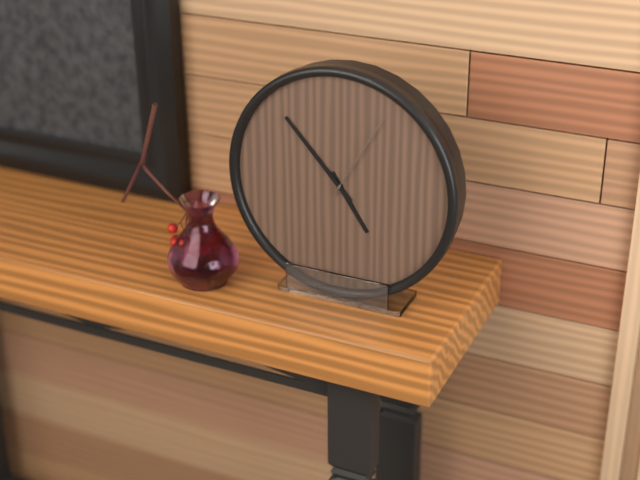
4:53:05
